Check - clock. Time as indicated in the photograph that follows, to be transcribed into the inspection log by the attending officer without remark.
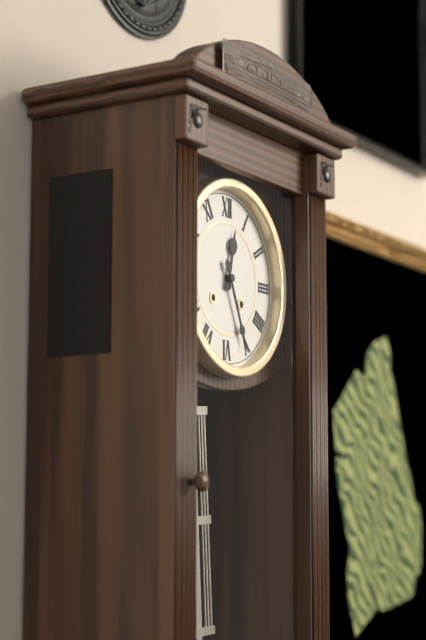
12:26
